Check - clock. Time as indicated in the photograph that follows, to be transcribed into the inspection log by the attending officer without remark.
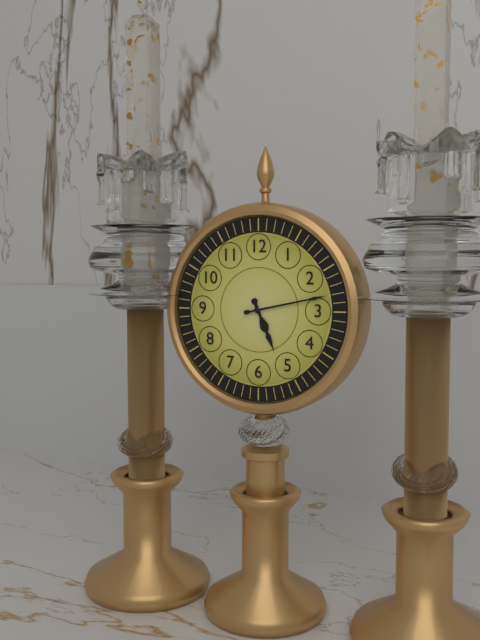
5:13
